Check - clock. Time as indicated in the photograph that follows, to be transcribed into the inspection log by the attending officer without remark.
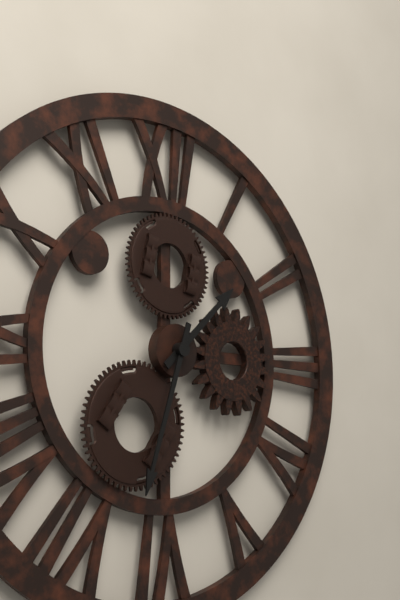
1:33
